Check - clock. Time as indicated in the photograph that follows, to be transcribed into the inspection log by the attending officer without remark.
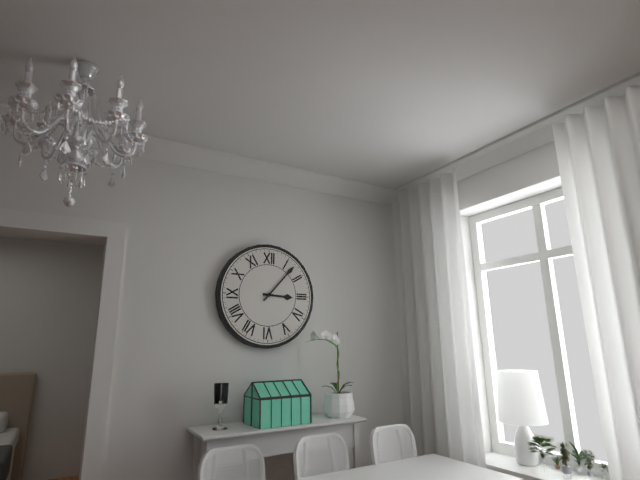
3:07
